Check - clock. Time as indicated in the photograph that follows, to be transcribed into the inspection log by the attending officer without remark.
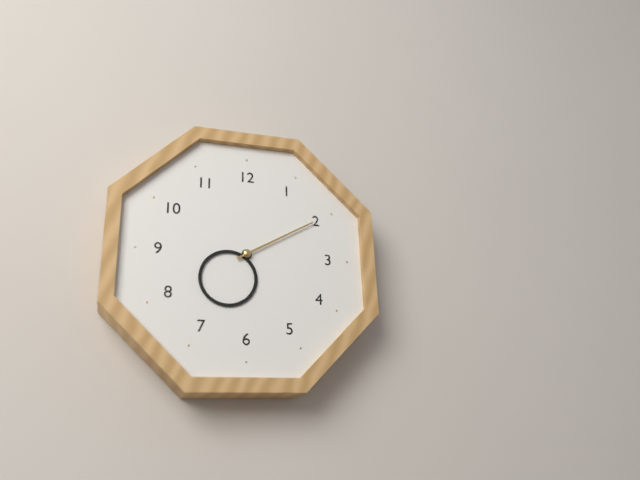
7:10
